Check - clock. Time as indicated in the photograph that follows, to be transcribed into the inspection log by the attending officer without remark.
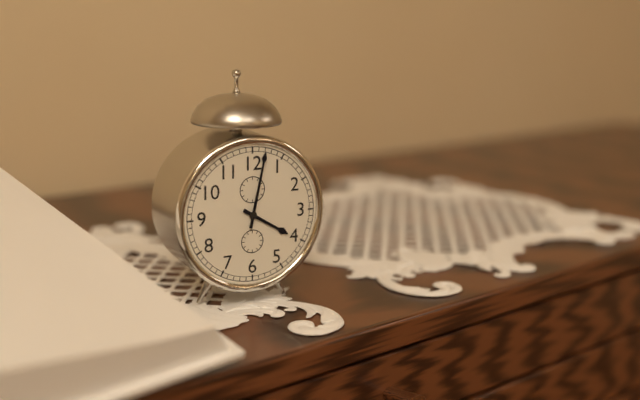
4:02
